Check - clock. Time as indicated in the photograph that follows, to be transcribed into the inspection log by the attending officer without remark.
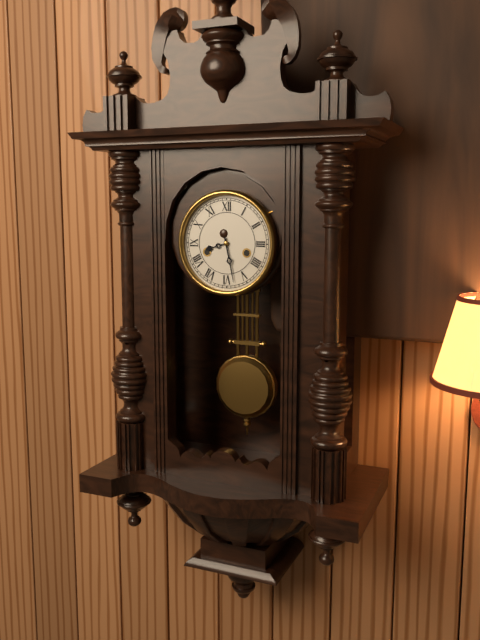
8:28
